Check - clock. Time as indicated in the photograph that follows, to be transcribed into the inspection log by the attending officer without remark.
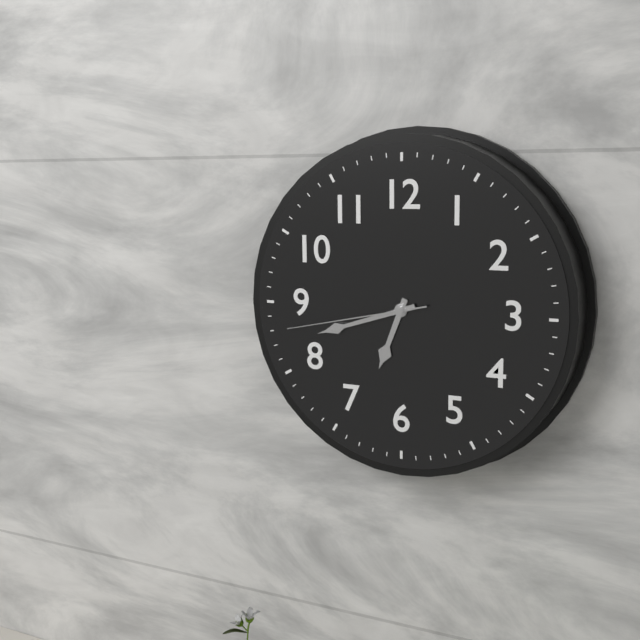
6:42:43
